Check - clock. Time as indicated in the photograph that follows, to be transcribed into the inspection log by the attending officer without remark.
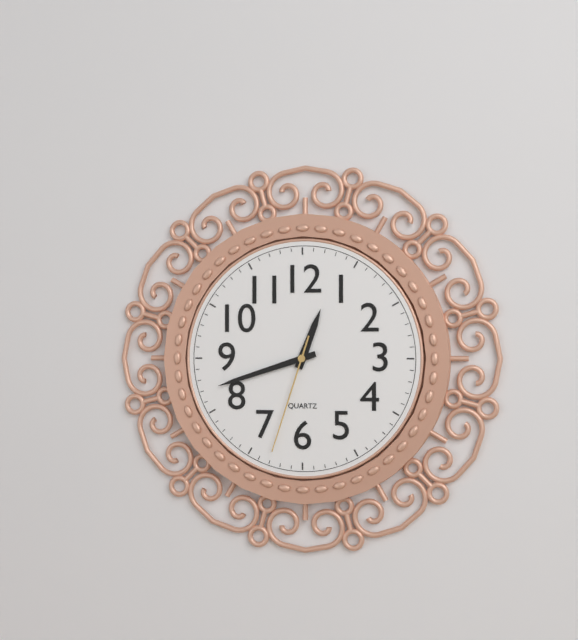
12:42:33
